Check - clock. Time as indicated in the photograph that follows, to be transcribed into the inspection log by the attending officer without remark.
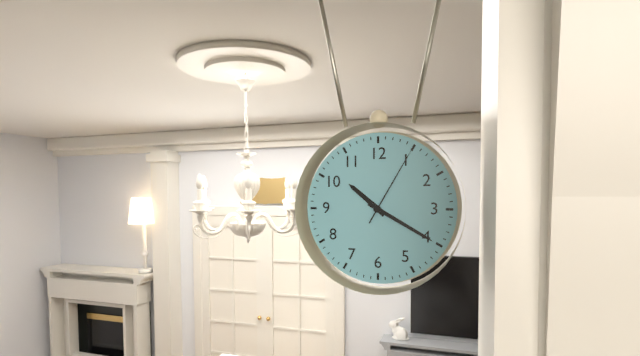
10:20:05
